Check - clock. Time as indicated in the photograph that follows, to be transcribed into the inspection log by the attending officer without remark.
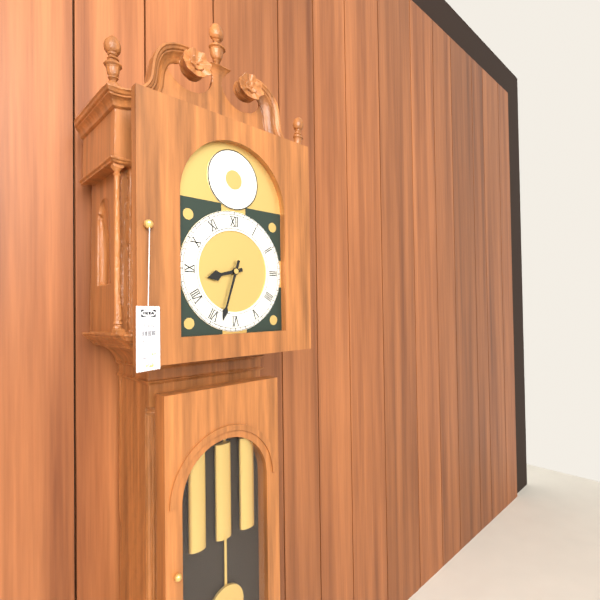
8:33
